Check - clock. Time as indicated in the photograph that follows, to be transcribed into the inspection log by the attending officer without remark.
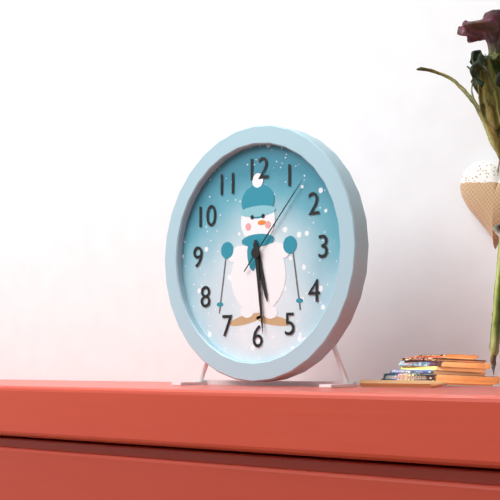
5:29:07
